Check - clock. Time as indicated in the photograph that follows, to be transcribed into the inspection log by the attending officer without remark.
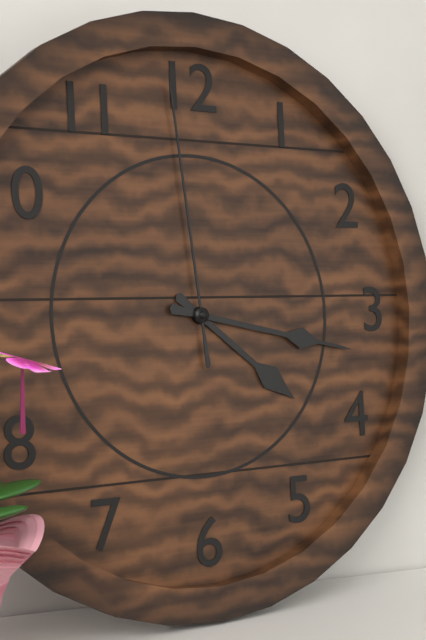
4:17:59
